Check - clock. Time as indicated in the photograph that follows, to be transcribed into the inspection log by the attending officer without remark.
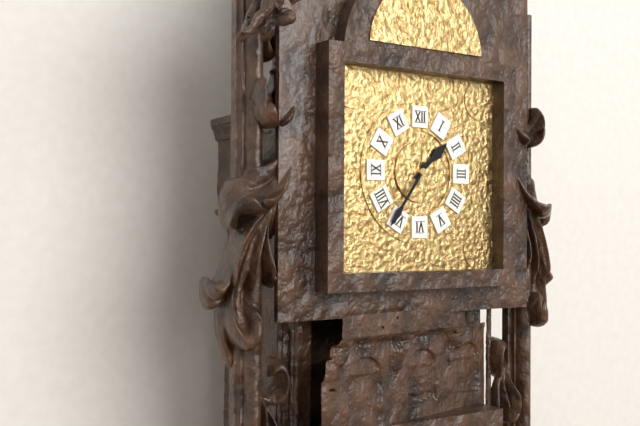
1:36
